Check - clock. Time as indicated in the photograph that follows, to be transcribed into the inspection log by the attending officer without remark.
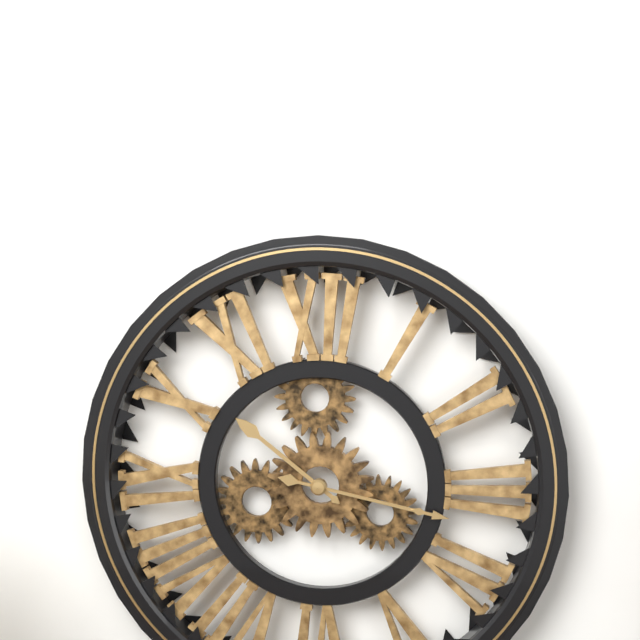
10:17
